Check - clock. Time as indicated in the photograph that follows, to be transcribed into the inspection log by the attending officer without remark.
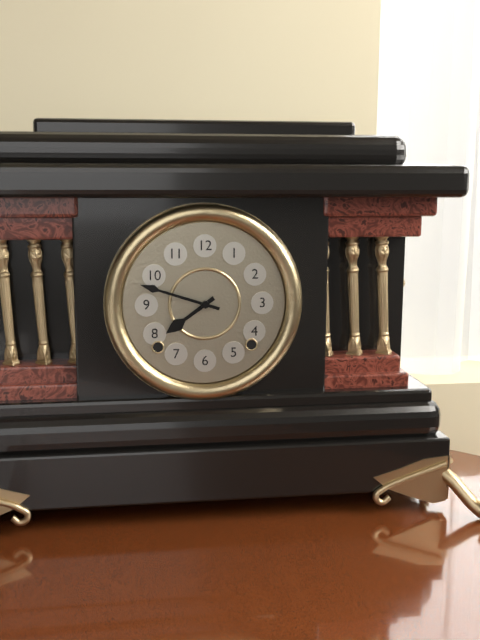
7:48
